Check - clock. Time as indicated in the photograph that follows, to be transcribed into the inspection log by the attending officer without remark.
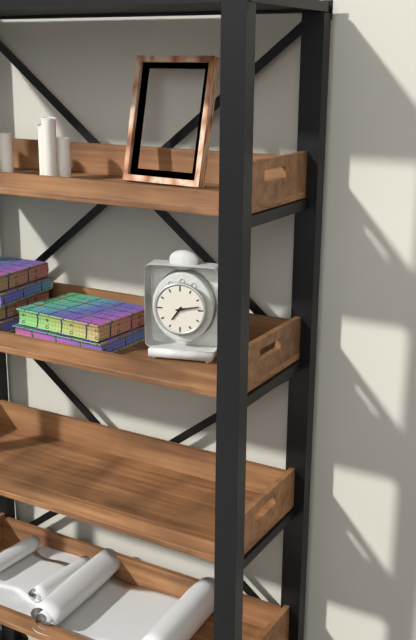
7:13
